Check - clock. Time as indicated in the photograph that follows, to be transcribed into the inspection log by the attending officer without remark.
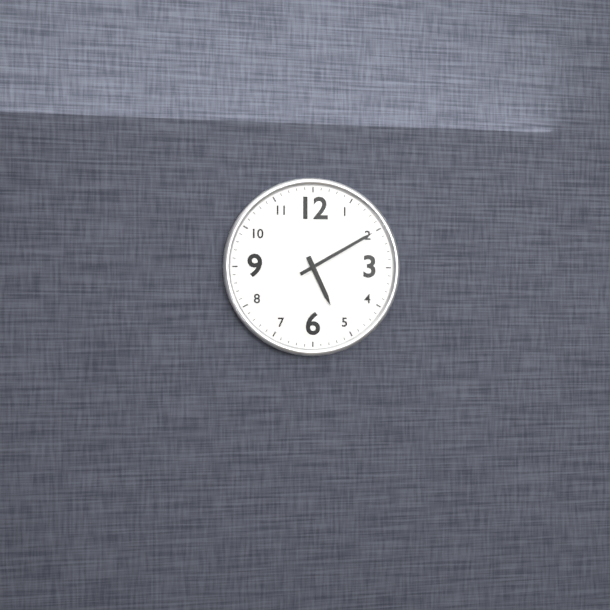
5:10
